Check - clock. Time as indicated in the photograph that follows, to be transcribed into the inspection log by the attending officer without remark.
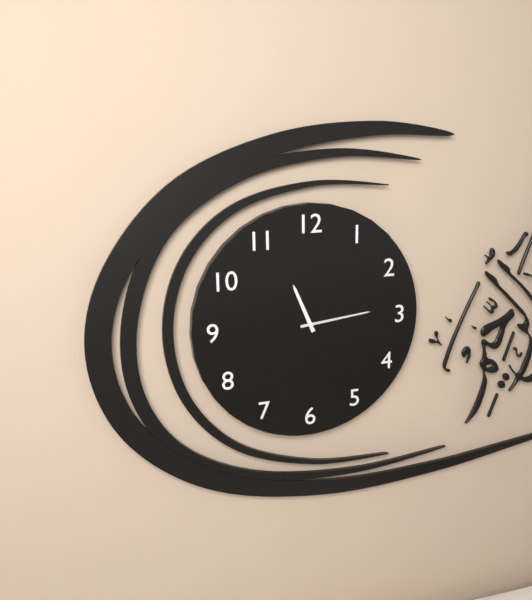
11:14
